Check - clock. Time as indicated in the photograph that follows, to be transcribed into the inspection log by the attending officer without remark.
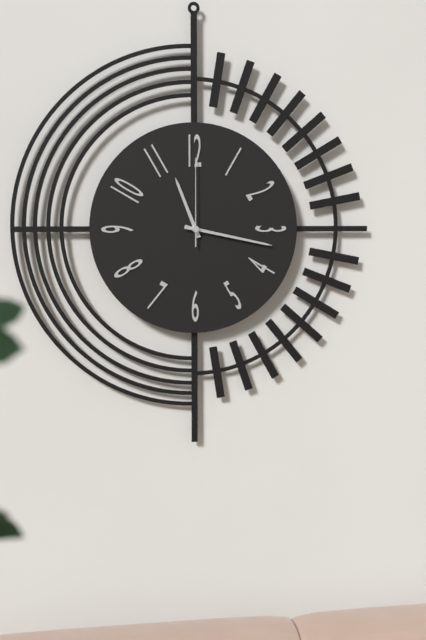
11:17:00
